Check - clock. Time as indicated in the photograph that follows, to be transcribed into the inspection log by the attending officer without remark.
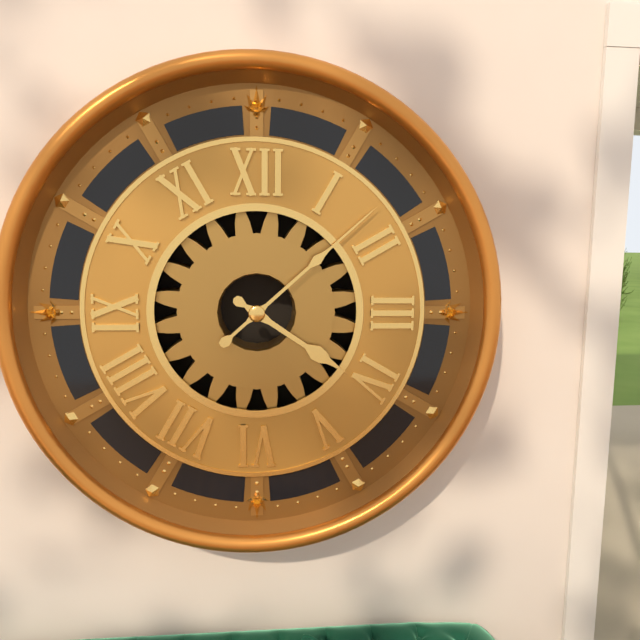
4:08
